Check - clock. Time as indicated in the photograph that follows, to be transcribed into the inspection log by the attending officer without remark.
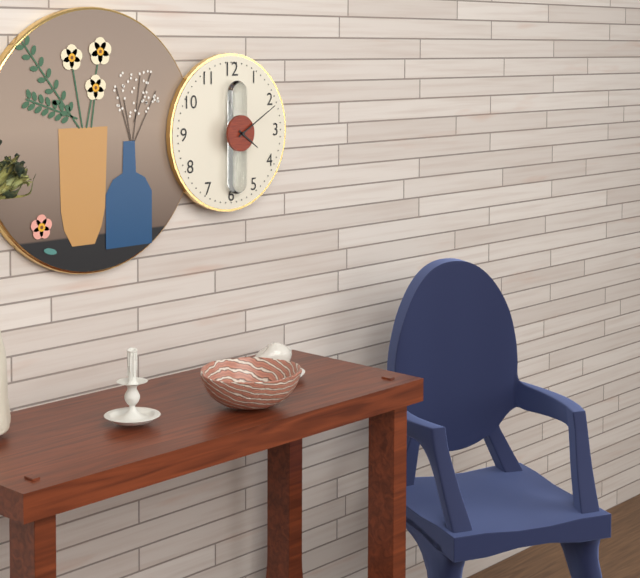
4:10
